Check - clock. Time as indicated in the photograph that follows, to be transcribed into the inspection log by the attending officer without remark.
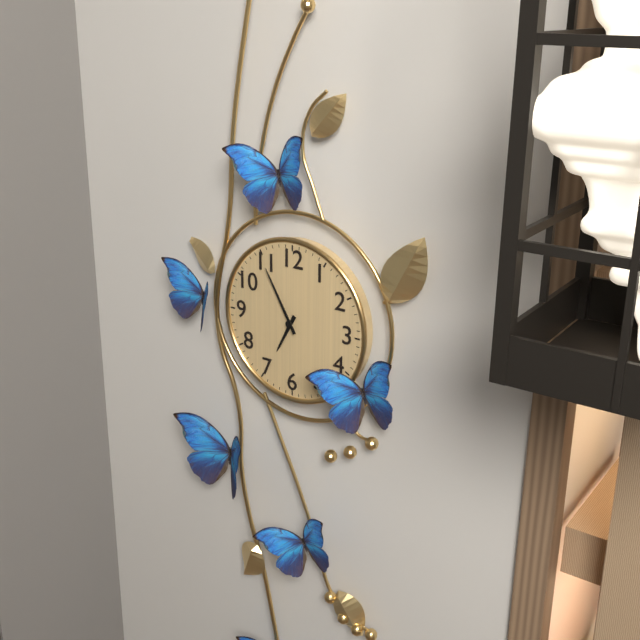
6:55
